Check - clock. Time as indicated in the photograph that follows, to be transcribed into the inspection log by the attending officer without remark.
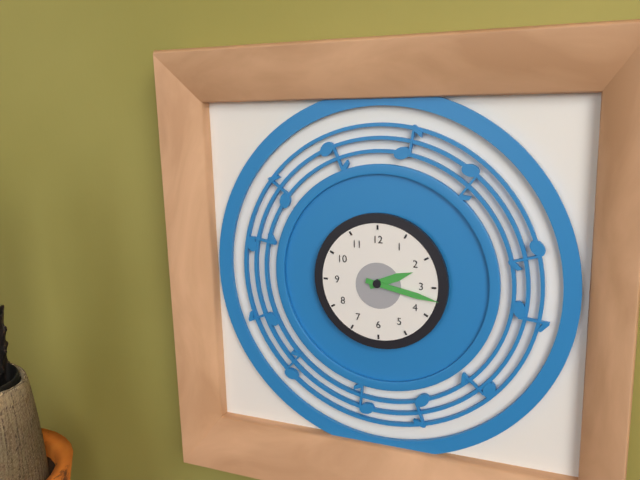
2:17
